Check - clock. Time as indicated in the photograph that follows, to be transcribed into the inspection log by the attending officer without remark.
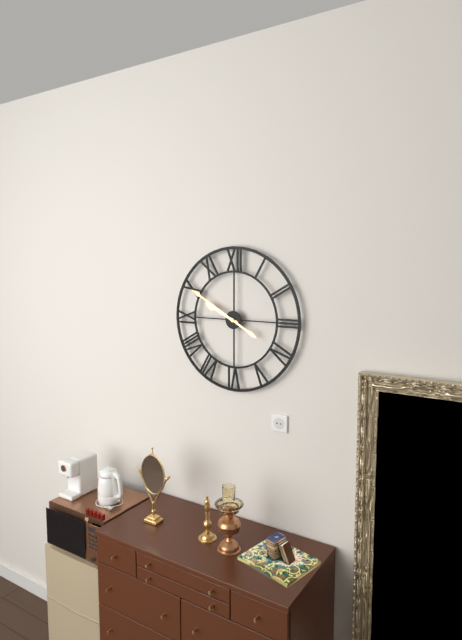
9:50
